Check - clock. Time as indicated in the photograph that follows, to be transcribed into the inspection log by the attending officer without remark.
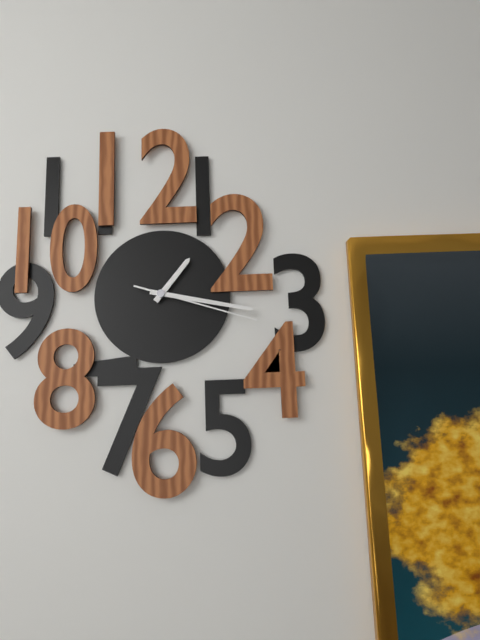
1:17:18
